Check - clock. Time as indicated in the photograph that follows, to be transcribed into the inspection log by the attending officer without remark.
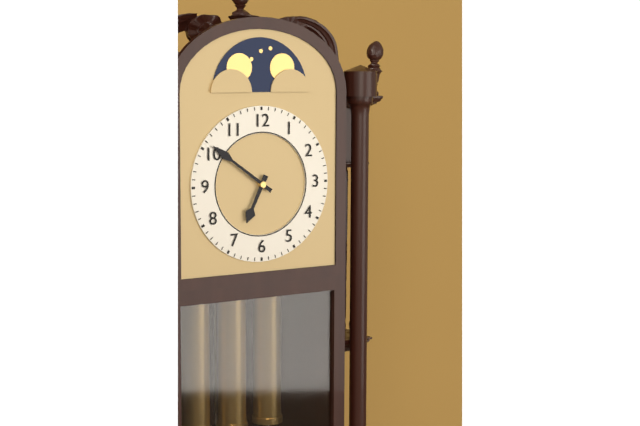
6:51
